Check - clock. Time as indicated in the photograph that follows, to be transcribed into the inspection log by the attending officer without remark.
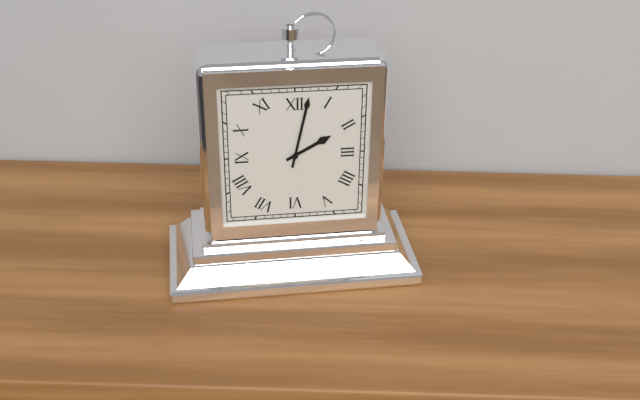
2:02
